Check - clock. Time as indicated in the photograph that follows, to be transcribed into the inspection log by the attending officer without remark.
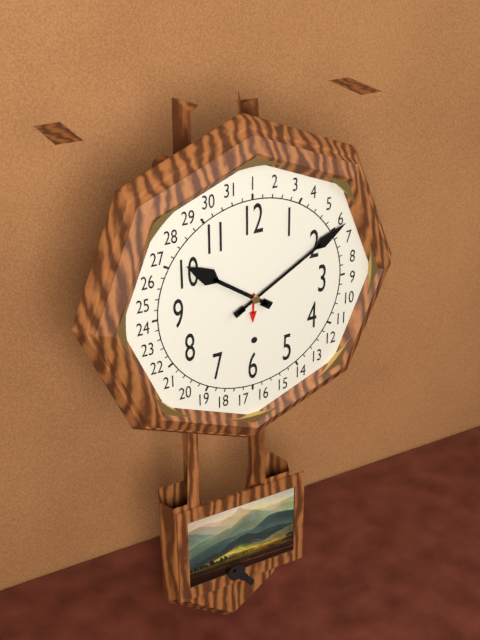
10:10
